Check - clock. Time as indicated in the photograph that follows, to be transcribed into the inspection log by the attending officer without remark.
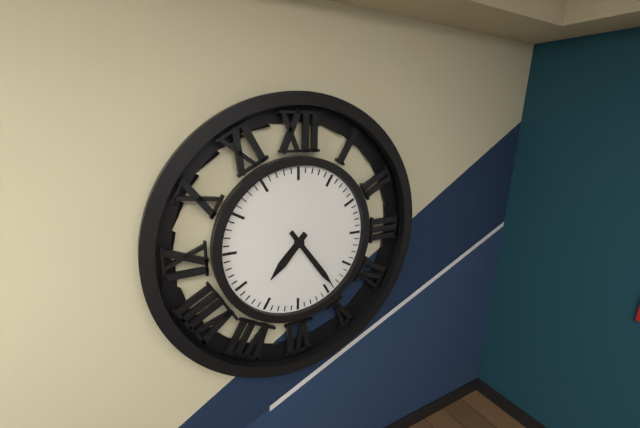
7:24
